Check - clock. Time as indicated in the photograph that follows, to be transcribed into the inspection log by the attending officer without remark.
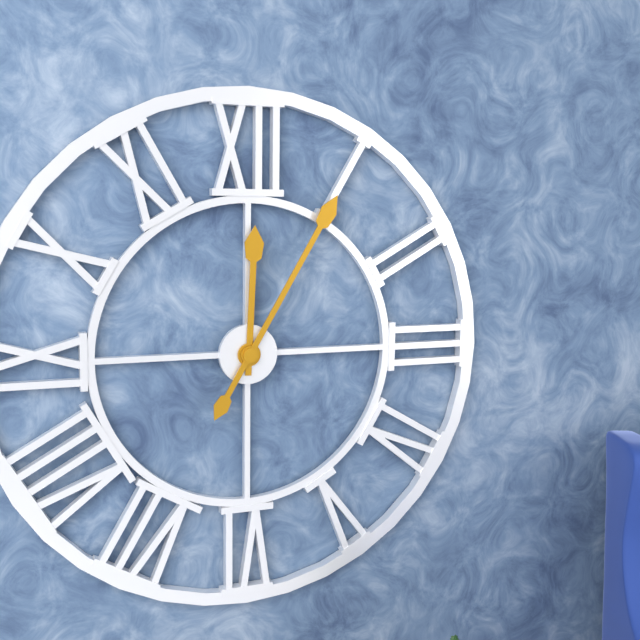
12:05
